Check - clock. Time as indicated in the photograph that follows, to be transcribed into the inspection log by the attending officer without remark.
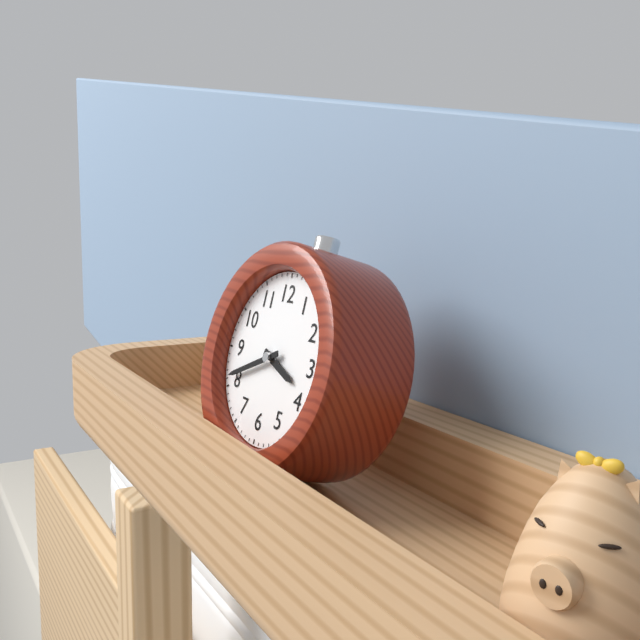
3:41
